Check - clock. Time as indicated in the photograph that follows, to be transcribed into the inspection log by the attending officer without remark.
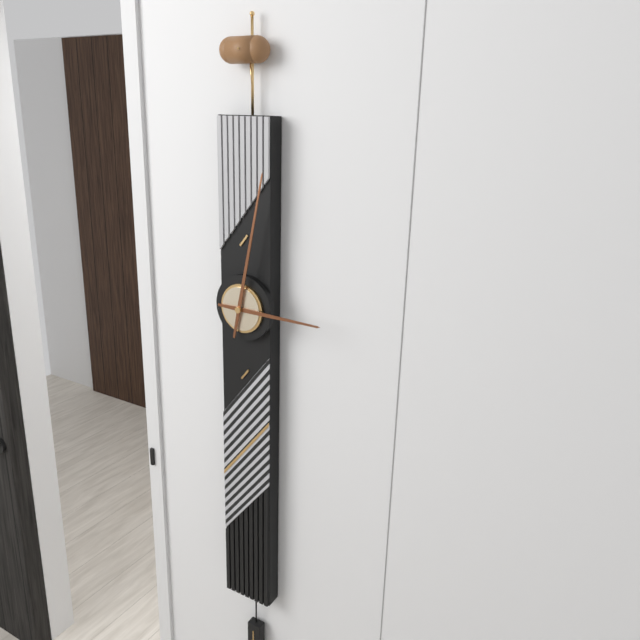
3:02
